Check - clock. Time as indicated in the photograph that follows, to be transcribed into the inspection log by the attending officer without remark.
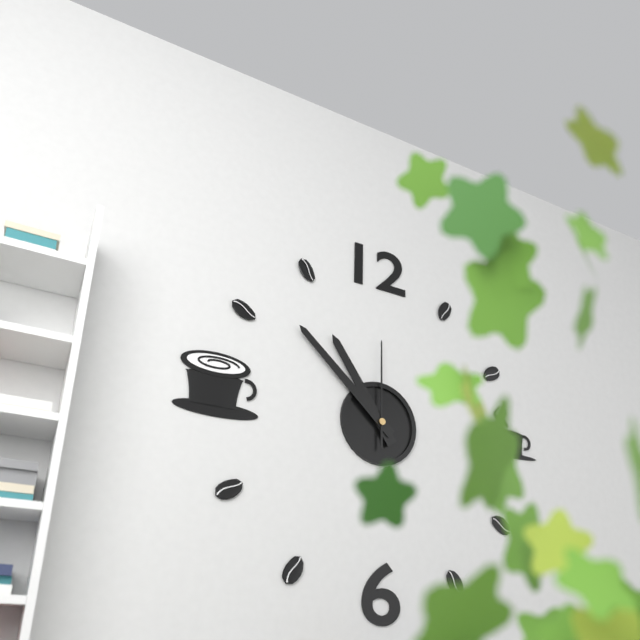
10:52:00
